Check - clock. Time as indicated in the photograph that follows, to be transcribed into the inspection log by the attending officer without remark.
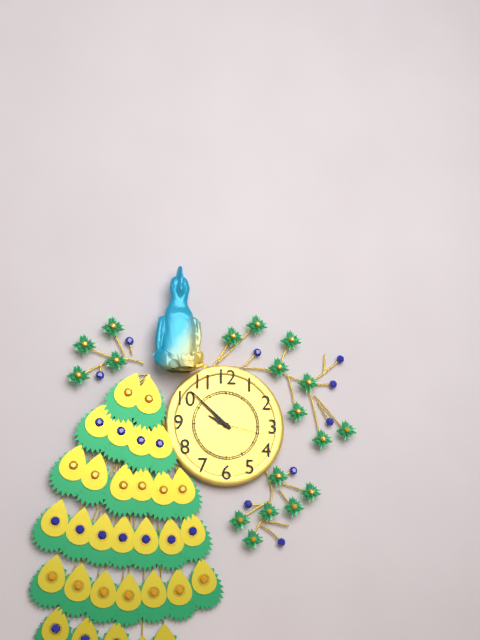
9:52:17
